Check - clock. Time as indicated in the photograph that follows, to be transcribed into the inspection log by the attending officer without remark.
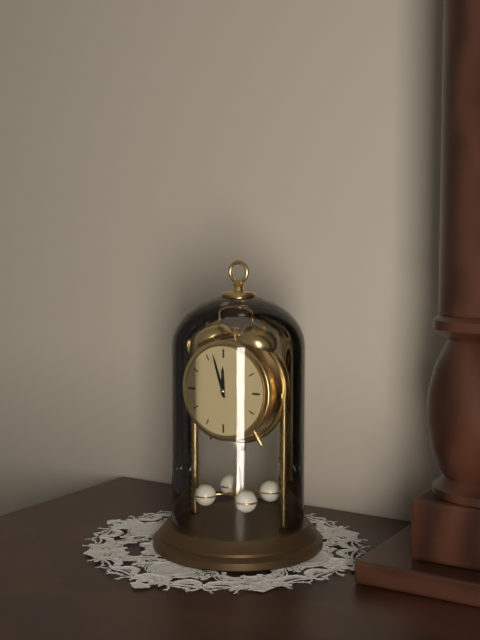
11:57
